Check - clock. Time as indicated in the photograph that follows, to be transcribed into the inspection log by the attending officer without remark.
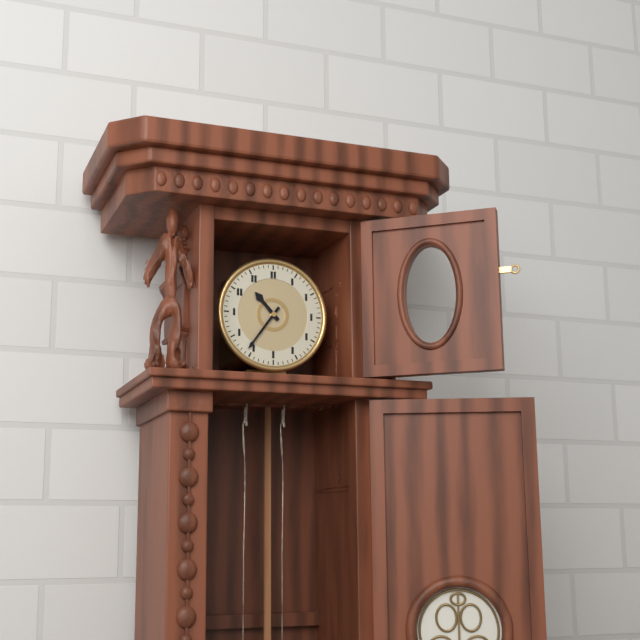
10:36
